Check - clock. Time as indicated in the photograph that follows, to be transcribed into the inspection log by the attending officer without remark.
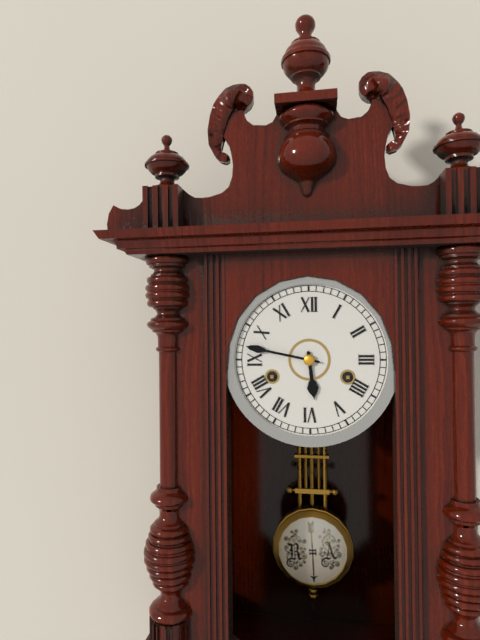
5:47
